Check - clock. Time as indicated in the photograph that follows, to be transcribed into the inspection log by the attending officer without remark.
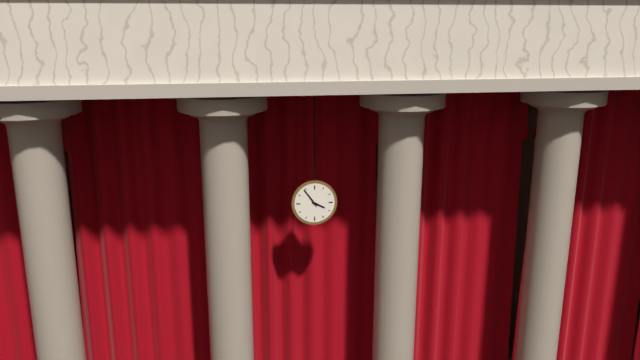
3:54
